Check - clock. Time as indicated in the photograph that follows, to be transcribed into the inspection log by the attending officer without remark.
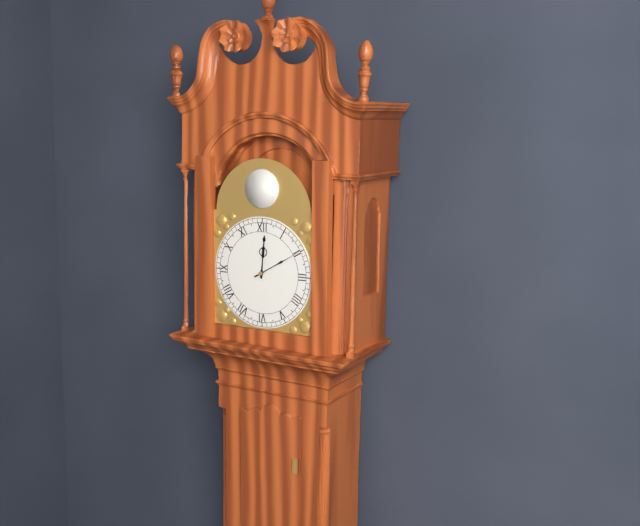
12:10
